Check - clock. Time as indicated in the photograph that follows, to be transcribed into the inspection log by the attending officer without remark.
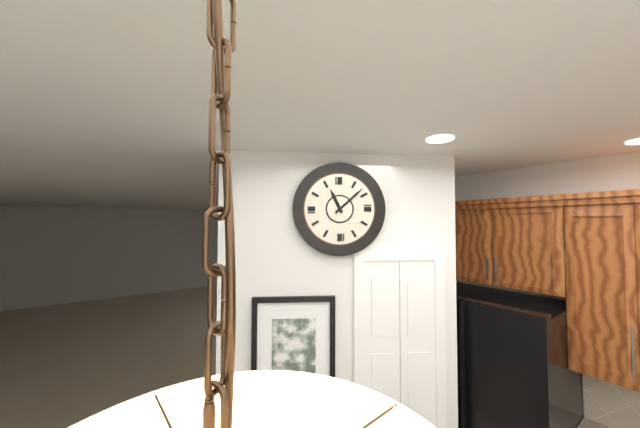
11:08
